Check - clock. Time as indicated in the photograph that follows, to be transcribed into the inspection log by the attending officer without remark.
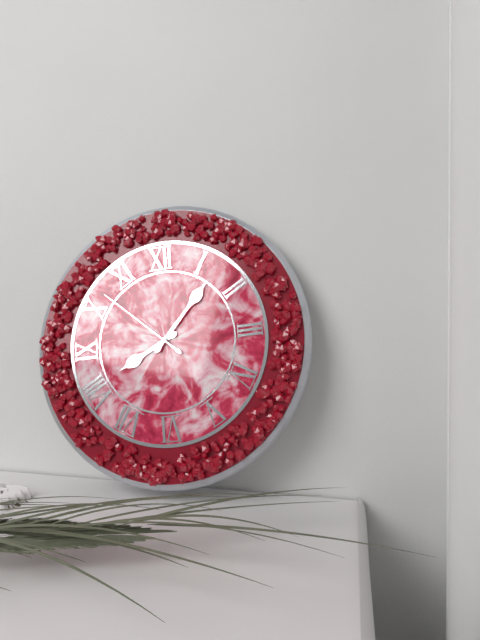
8:07:52
